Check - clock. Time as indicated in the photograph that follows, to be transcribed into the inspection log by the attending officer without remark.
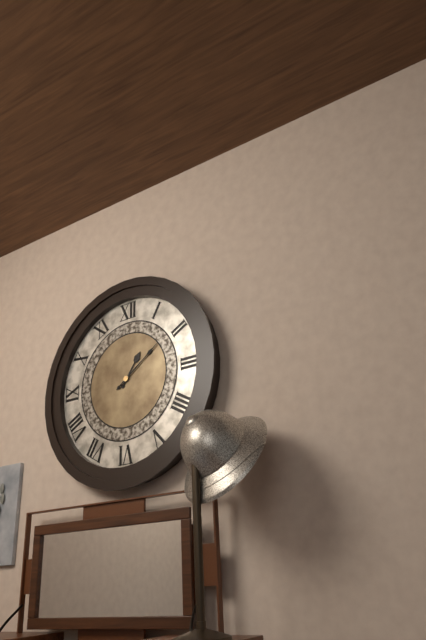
1:09
